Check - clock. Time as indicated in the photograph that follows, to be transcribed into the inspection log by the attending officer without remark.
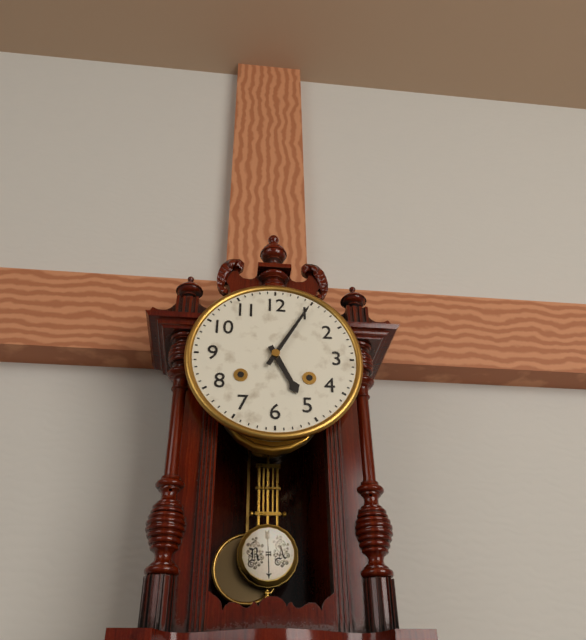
5:05
